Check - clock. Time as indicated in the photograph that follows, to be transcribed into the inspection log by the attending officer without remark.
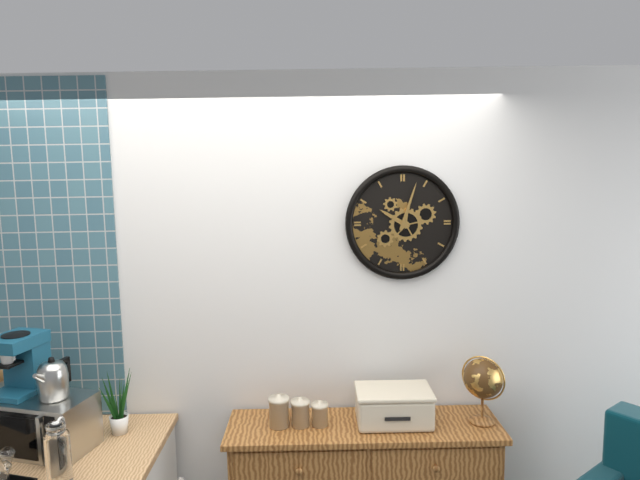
10:03
